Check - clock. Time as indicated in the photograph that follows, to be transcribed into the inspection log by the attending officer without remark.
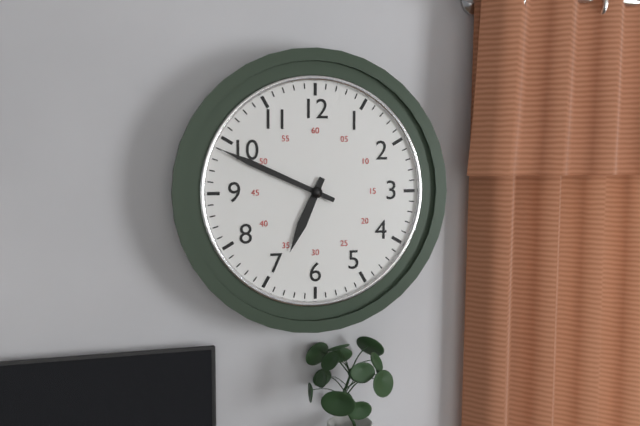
6:49
